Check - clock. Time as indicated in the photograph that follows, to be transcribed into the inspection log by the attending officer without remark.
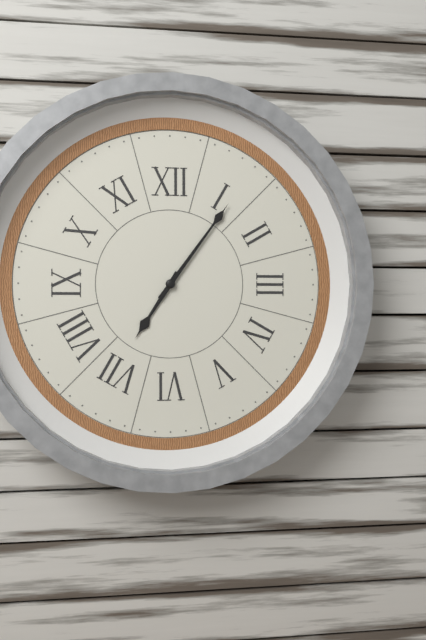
7:06
